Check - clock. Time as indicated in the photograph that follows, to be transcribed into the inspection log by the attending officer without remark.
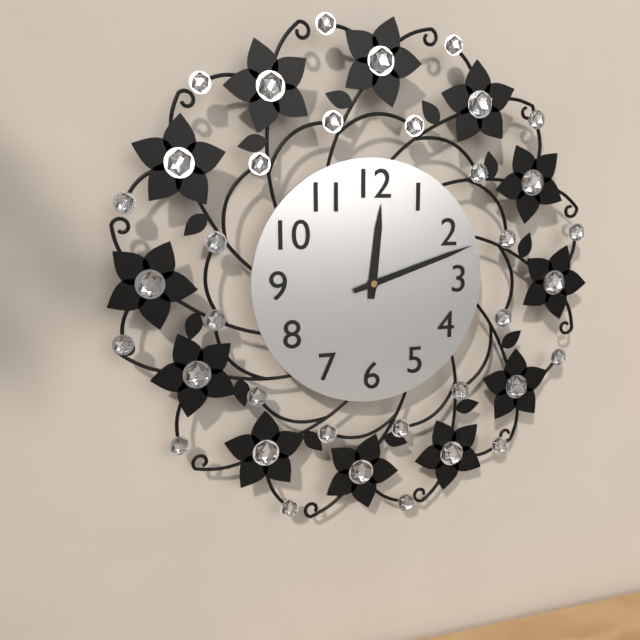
12:12
